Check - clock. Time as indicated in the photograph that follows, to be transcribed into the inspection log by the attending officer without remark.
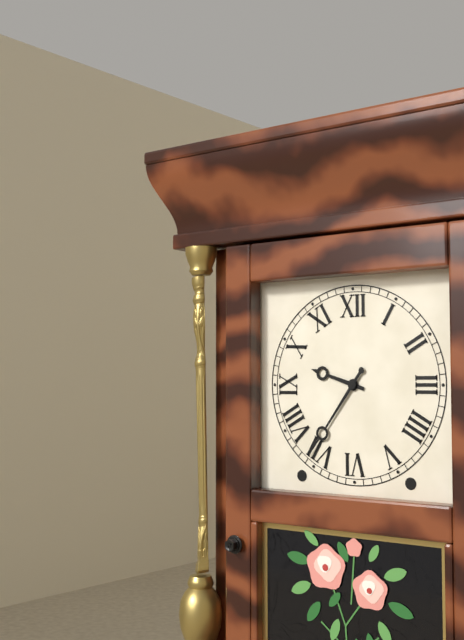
9:36
